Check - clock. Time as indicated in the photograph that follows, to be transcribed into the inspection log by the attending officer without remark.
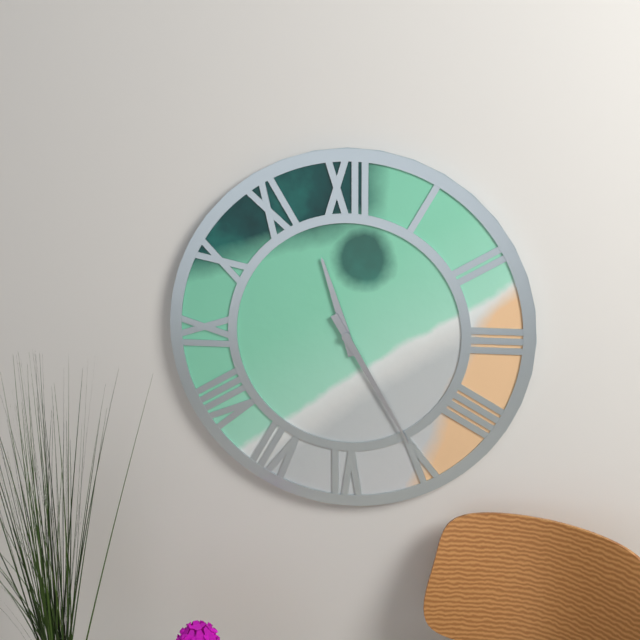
11:25
